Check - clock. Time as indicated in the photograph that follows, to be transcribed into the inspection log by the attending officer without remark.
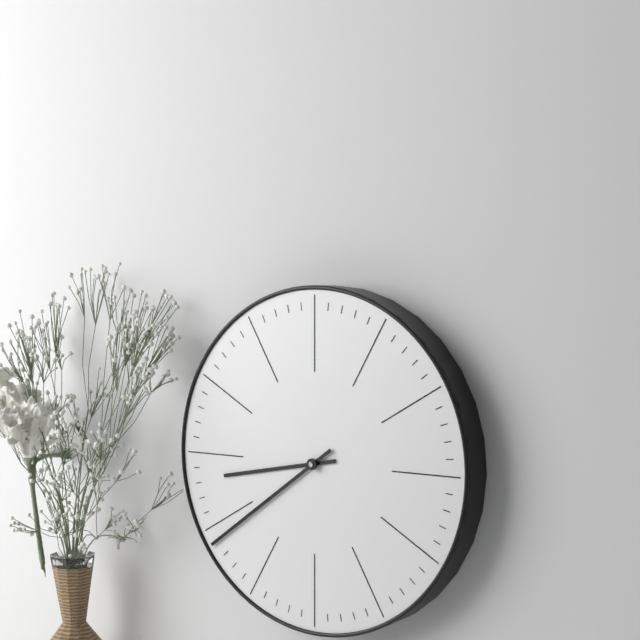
8:39
